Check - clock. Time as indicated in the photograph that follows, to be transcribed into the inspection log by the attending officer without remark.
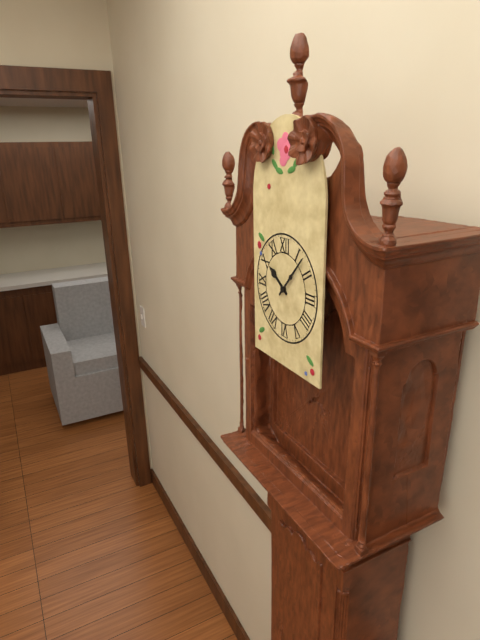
10:07
